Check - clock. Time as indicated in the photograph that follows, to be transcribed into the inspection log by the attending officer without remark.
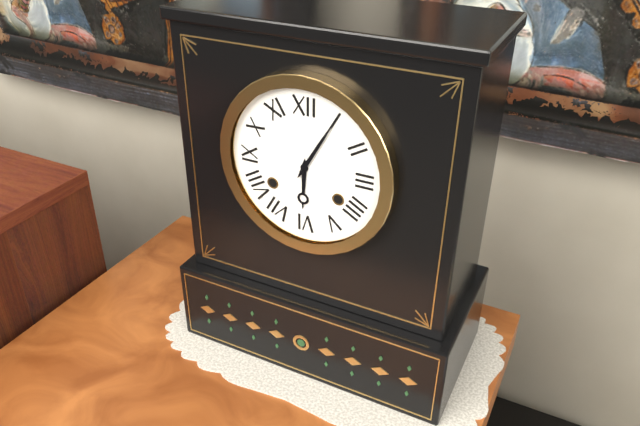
6:05
